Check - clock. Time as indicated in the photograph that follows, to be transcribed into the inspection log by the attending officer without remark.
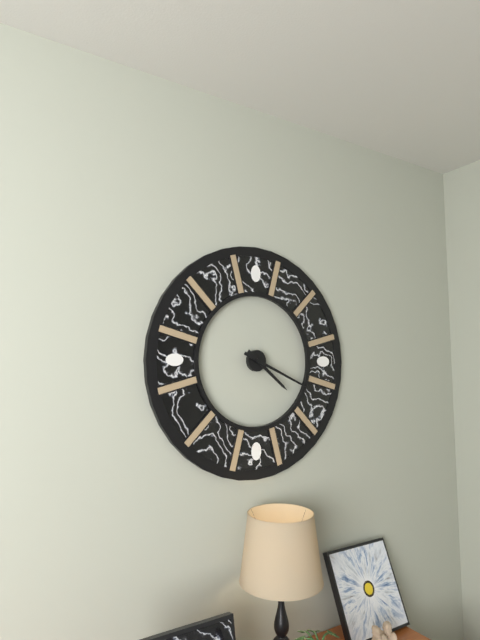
4:19
